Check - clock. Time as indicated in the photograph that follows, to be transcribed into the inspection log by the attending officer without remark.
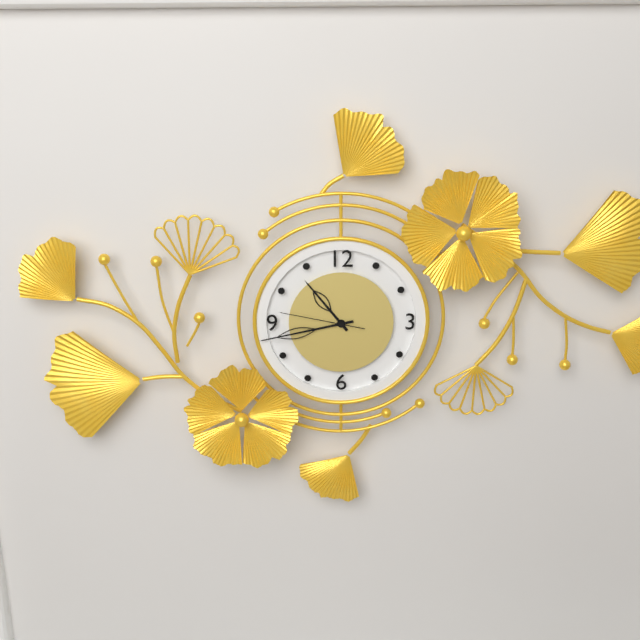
10:43:47
